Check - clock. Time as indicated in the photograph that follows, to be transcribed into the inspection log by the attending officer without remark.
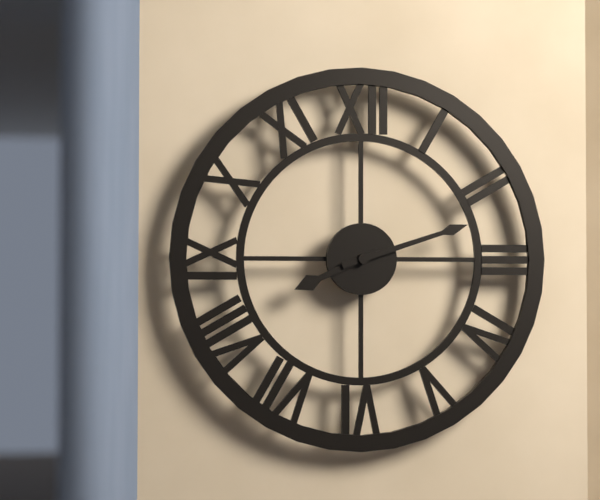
8:12
